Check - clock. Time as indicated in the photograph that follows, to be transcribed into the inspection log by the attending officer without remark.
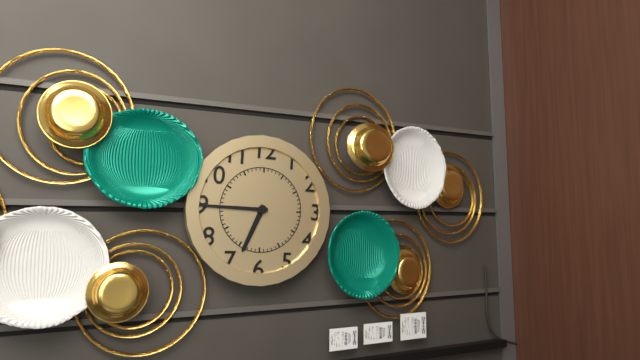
6:45
